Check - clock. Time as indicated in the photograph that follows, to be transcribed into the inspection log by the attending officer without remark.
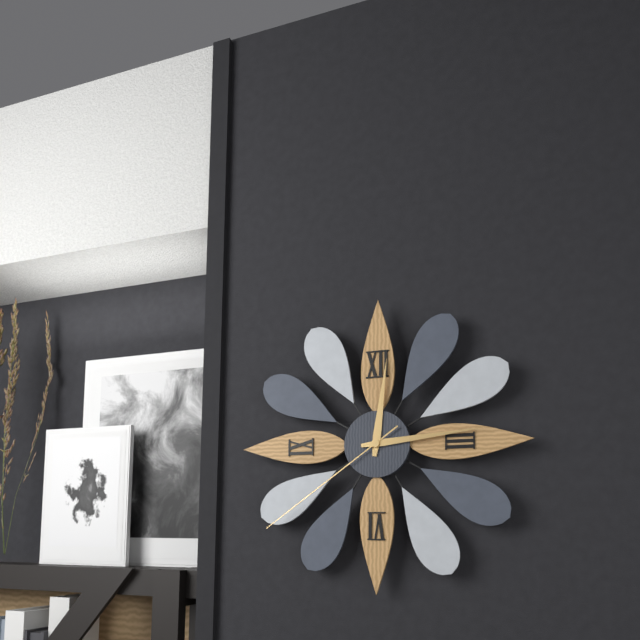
12:14:39
